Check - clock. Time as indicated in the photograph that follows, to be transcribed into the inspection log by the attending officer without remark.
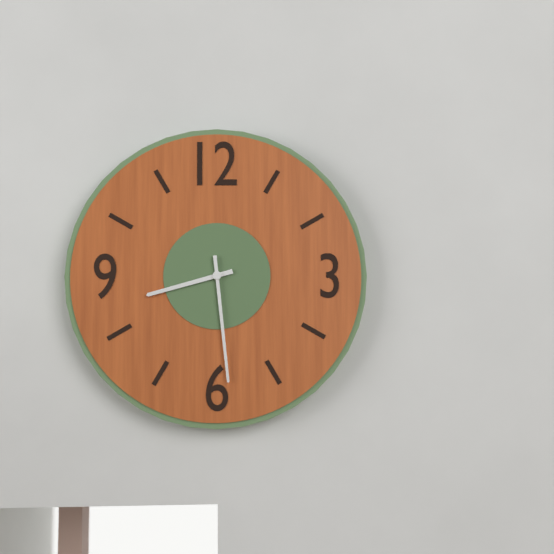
8:29
